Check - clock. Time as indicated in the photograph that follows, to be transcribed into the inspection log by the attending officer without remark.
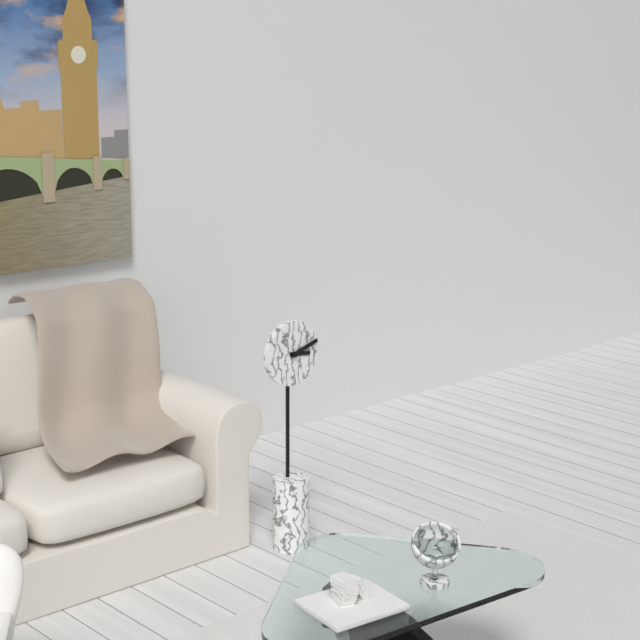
3:12
